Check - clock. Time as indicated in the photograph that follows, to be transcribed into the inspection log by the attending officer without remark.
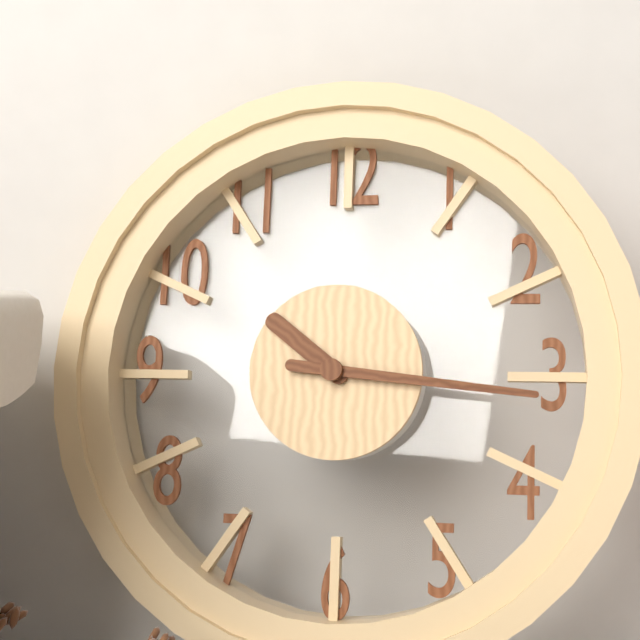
10:16
